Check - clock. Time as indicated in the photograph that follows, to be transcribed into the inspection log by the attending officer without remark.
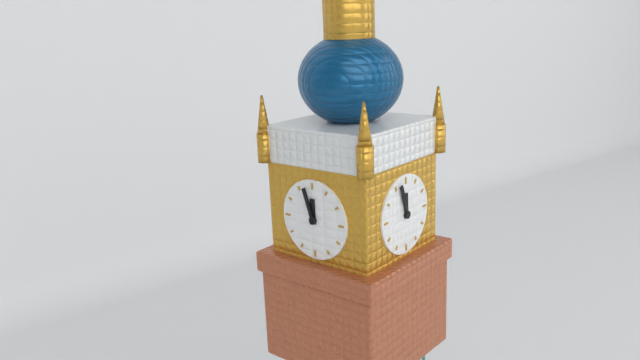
11:57
